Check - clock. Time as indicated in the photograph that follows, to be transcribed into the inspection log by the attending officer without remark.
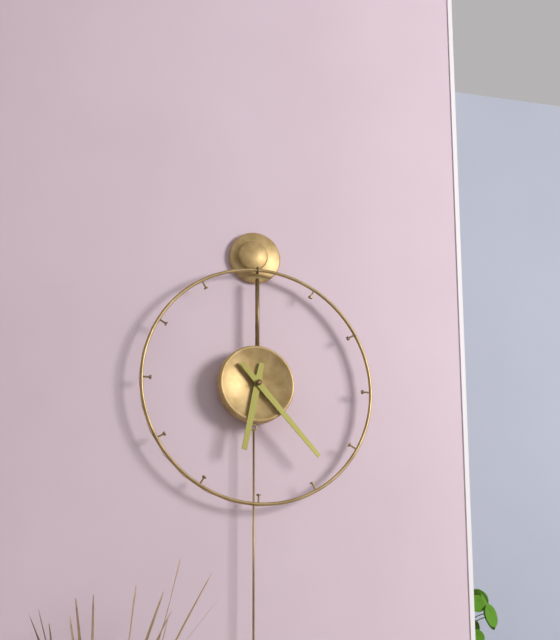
6:23
